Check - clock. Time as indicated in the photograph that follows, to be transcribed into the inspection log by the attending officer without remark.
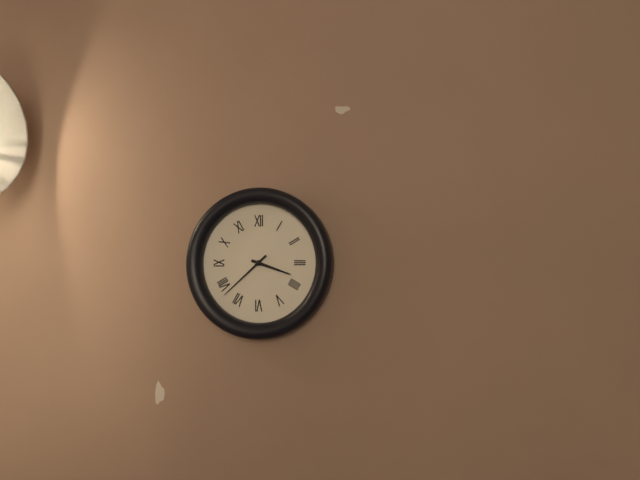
3:38
